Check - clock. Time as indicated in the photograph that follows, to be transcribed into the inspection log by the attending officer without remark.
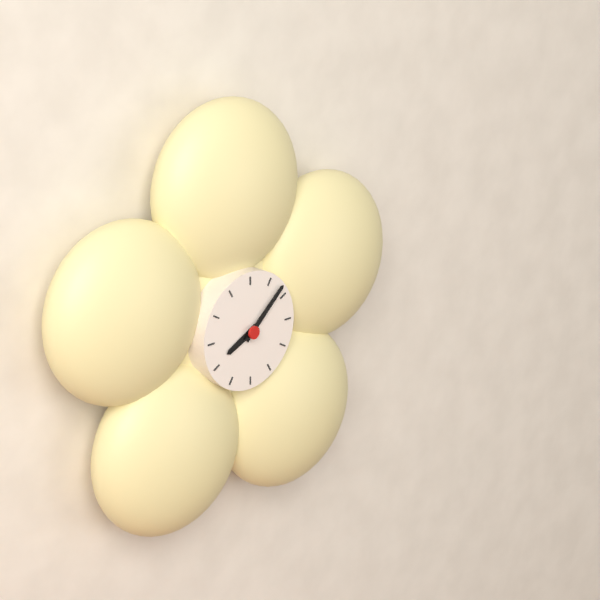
8:08
